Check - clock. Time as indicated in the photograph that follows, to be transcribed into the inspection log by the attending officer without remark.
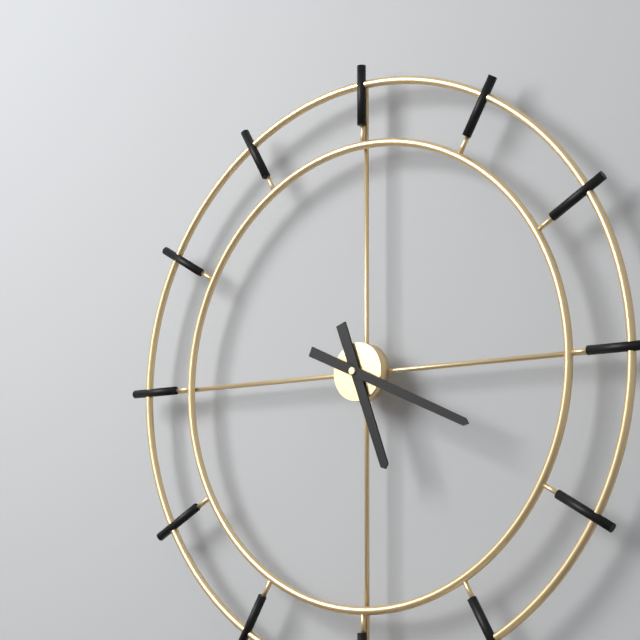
5:19
